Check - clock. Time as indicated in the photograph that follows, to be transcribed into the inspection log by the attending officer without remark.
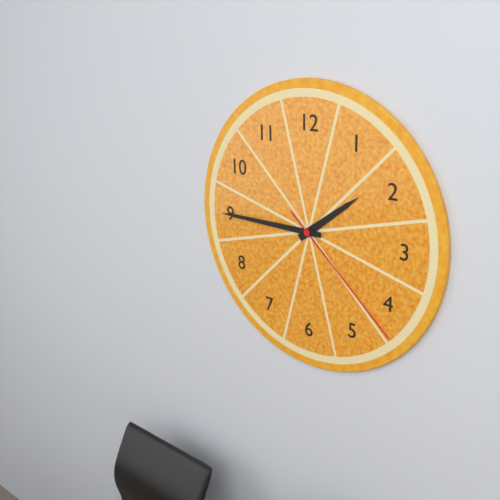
1:45:22
